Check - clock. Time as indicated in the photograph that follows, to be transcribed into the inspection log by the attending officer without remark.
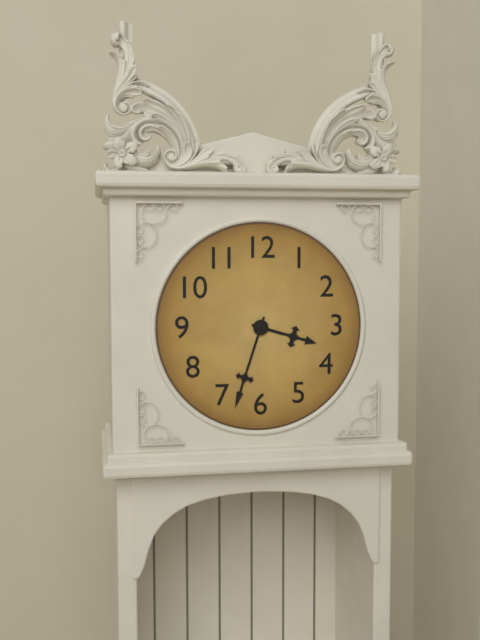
3:33
